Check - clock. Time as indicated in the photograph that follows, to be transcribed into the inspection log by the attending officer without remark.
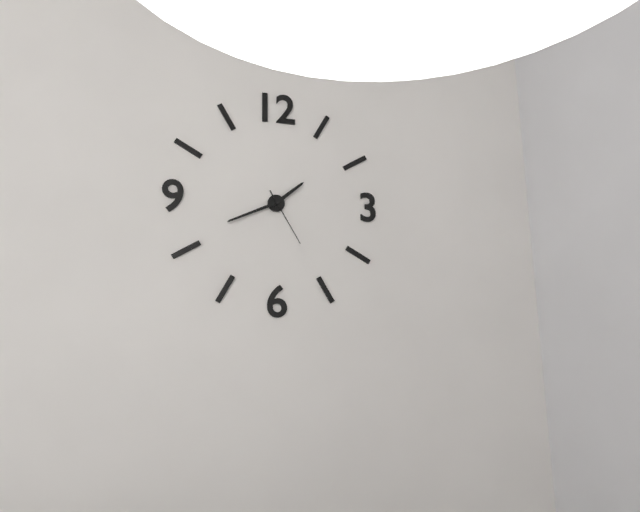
1:41:25
